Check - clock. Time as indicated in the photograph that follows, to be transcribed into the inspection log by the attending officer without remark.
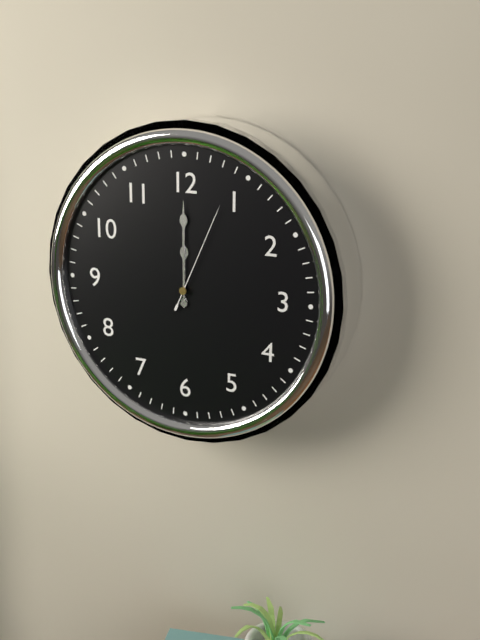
12:00:04
